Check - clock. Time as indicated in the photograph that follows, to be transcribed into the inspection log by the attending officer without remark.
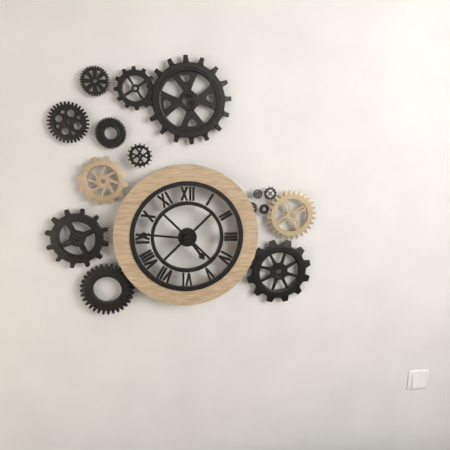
4:46
